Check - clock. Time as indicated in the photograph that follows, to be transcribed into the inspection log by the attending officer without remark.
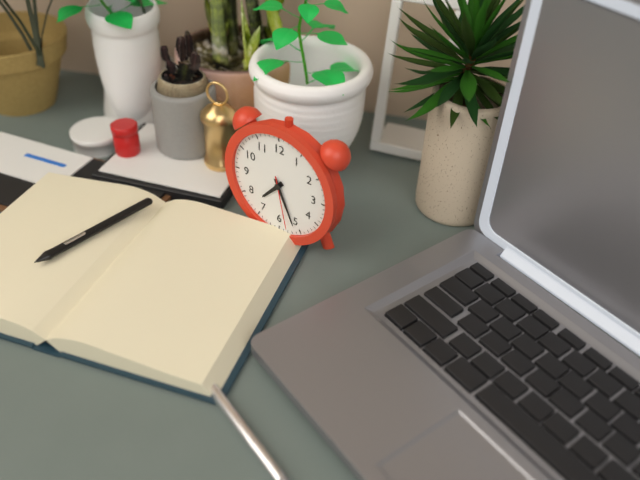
7:26:28
